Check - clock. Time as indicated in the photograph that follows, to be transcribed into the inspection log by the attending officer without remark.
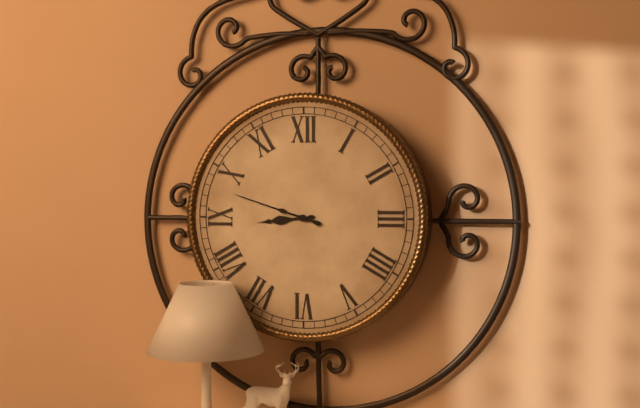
8:48
